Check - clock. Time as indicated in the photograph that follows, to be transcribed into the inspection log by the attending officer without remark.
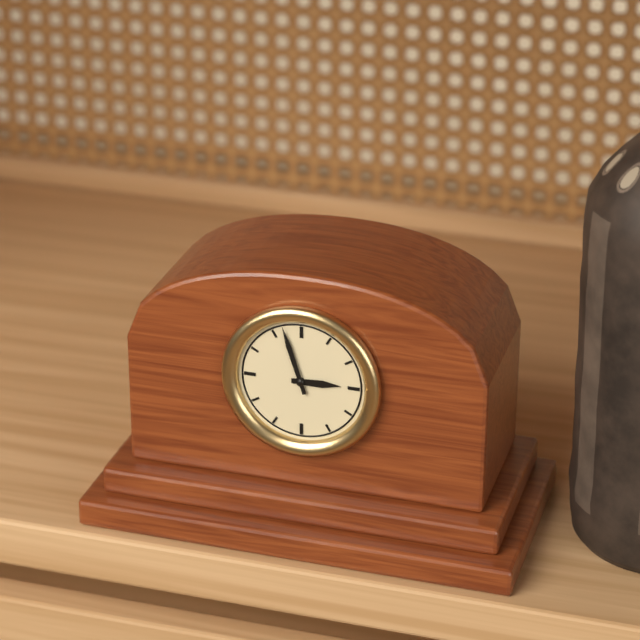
2:57
